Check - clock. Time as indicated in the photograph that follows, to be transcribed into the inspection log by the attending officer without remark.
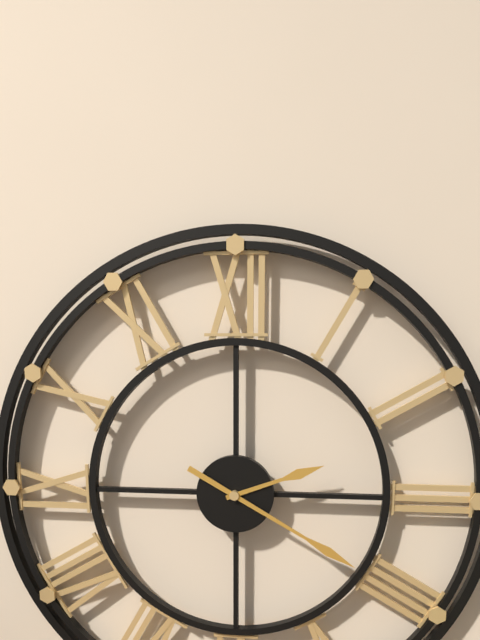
2:20
